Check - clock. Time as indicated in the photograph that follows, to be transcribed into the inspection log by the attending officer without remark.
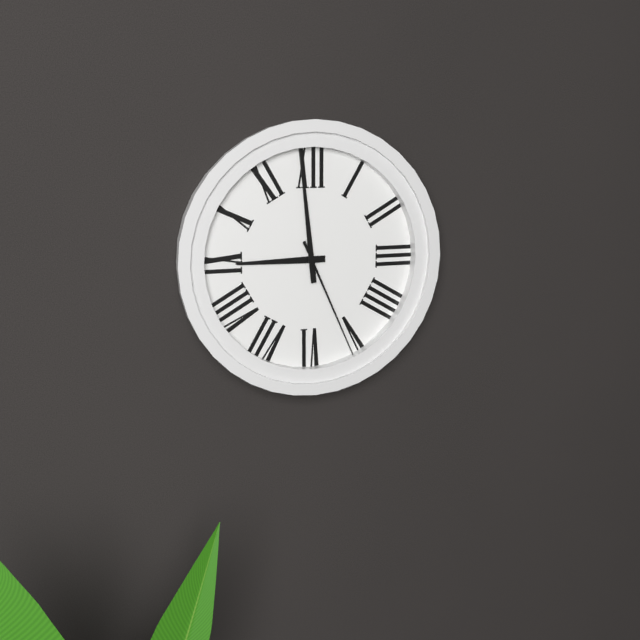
8:59:26
